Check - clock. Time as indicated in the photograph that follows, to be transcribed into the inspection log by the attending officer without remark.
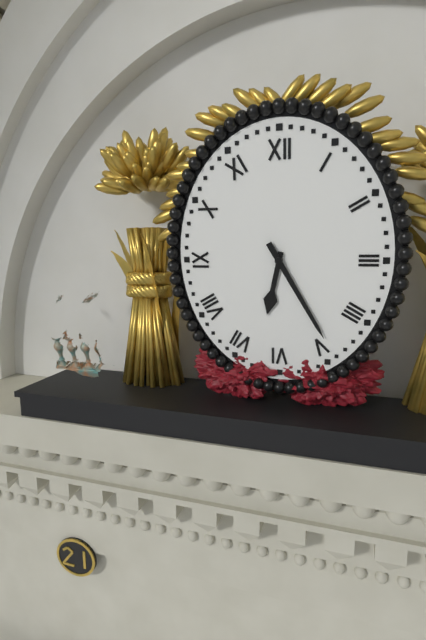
6:25
